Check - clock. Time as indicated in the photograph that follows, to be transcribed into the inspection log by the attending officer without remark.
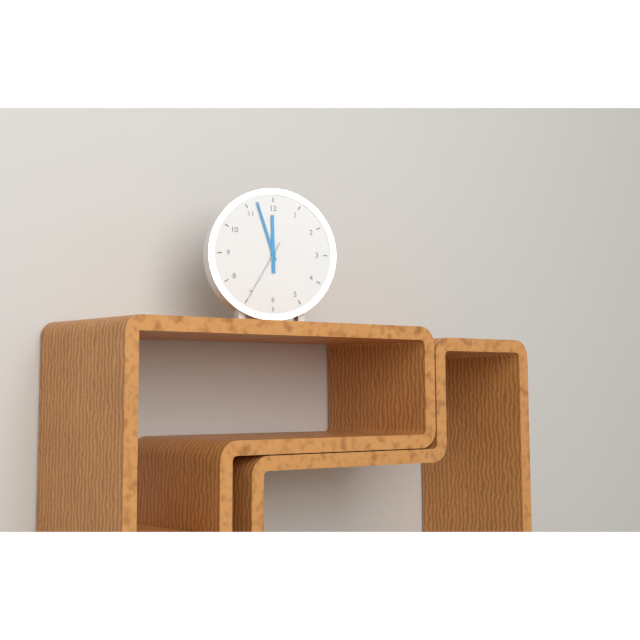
11:57:35
